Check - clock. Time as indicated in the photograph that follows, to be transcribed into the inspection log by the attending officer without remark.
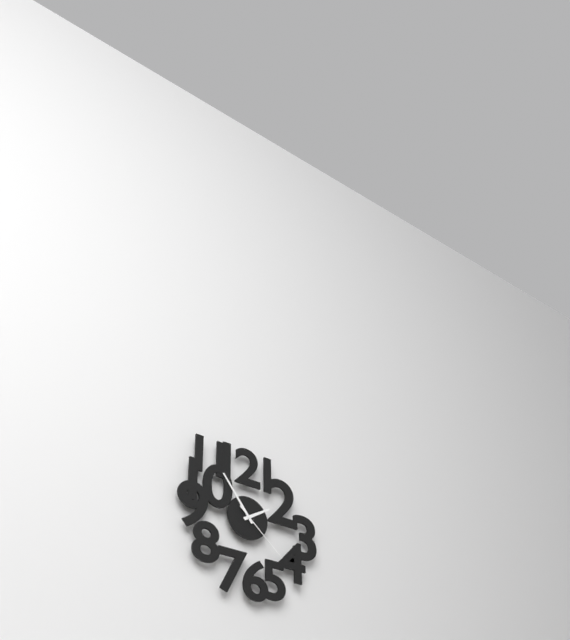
1:54:22
